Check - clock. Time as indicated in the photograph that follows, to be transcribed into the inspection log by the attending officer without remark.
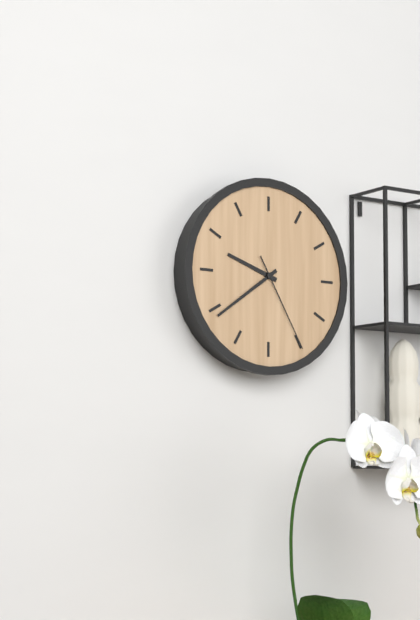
9:39:25
